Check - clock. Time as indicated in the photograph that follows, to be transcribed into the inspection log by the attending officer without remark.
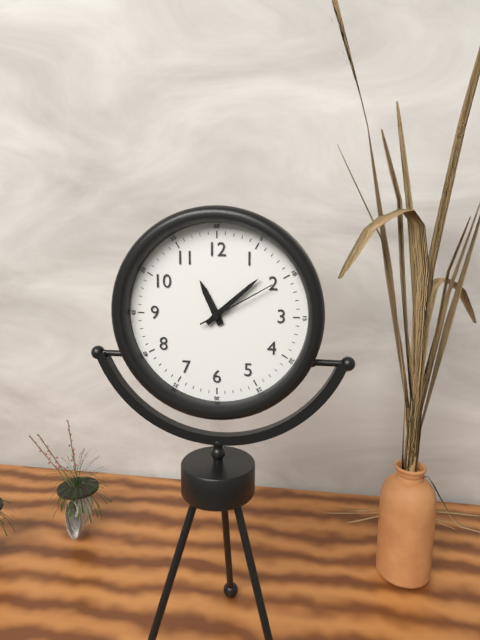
11:08:10
